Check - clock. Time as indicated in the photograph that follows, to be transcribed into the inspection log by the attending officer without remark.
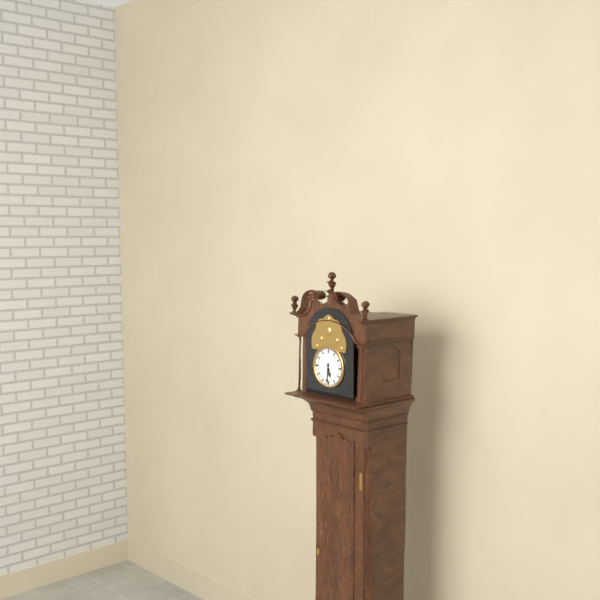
5:31
